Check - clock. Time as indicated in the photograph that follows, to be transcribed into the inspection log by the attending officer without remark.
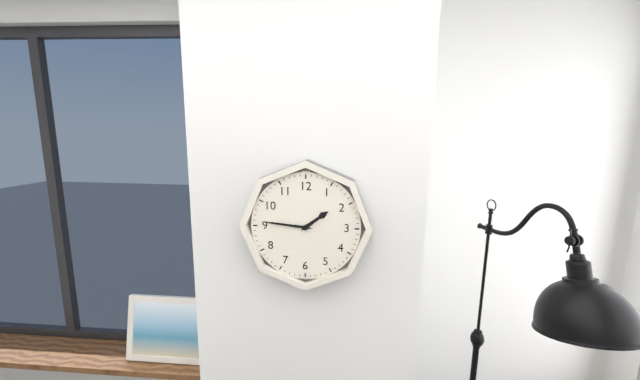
1:46
